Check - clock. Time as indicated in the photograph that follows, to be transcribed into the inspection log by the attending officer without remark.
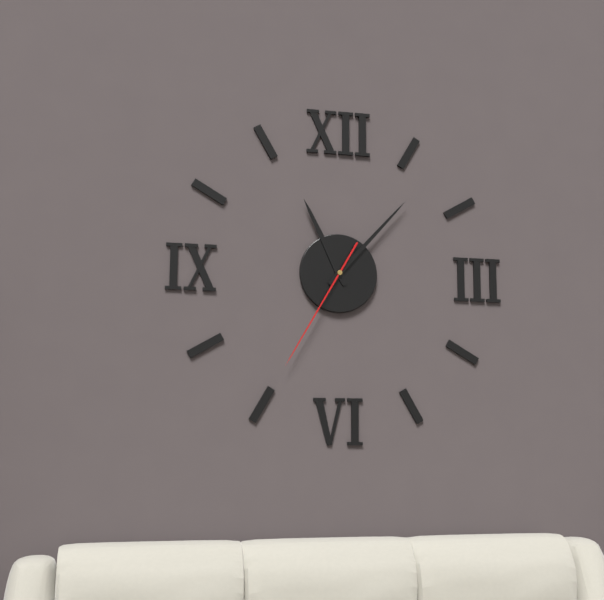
11:07:35
